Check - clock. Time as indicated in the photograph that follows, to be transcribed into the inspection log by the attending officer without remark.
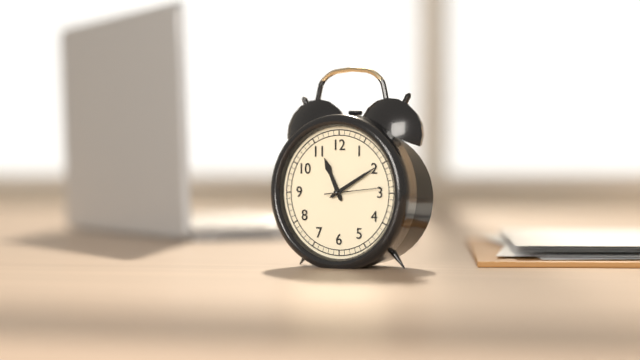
11:10:14
